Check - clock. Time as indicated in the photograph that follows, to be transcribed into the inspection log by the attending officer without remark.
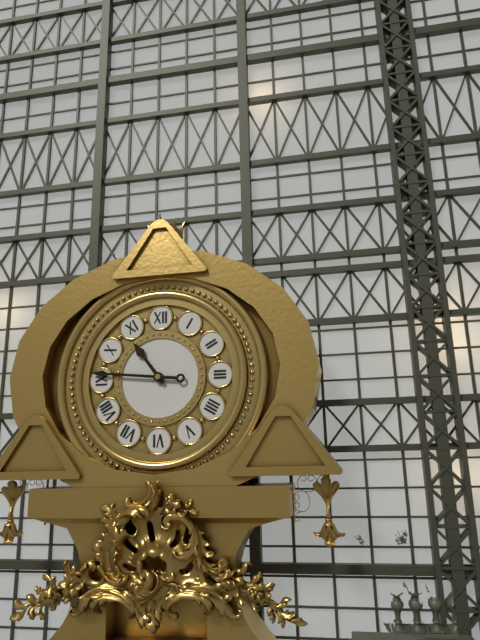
10:46
